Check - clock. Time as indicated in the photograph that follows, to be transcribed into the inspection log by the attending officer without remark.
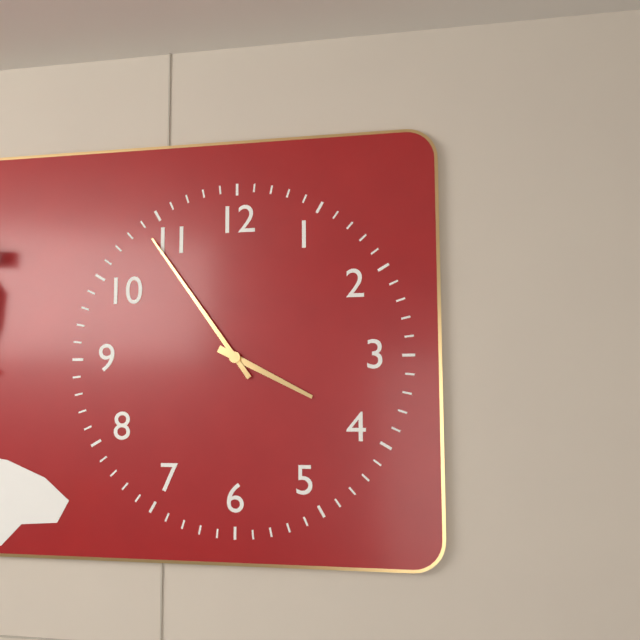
3:54
